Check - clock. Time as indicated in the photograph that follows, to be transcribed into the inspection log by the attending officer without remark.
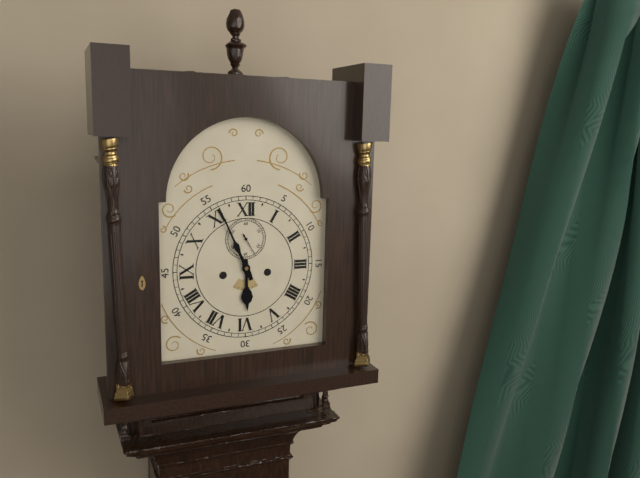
5:56
